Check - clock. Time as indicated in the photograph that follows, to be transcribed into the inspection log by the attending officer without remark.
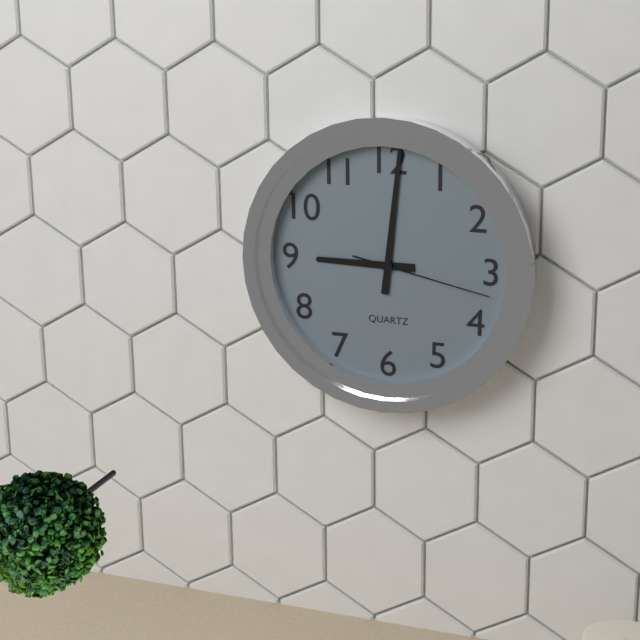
9:01:17
